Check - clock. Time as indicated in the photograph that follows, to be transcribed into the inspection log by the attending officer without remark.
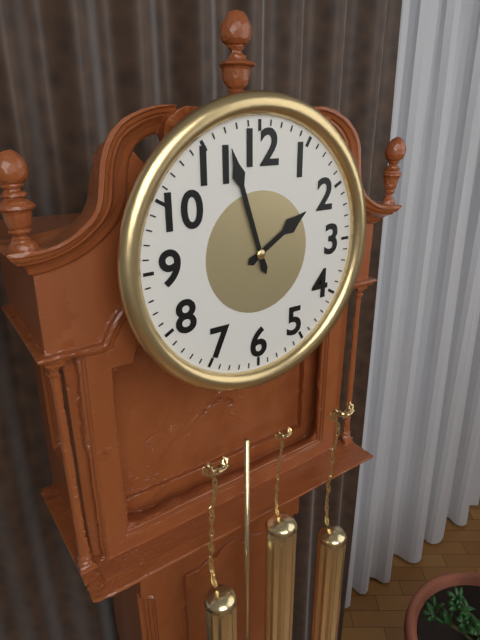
1:57
